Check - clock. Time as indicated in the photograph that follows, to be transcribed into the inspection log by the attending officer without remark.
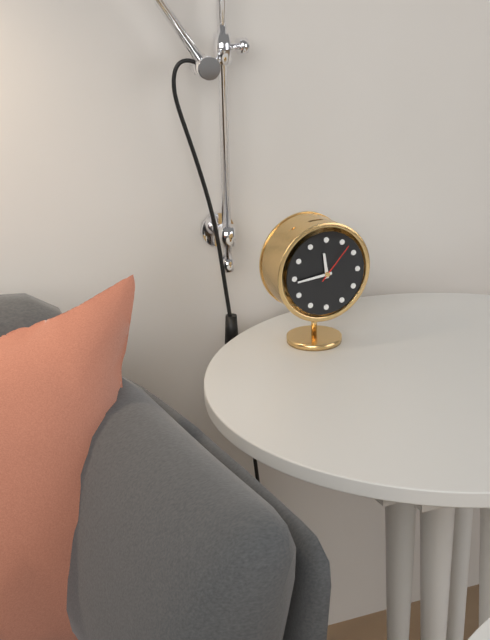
11:44
